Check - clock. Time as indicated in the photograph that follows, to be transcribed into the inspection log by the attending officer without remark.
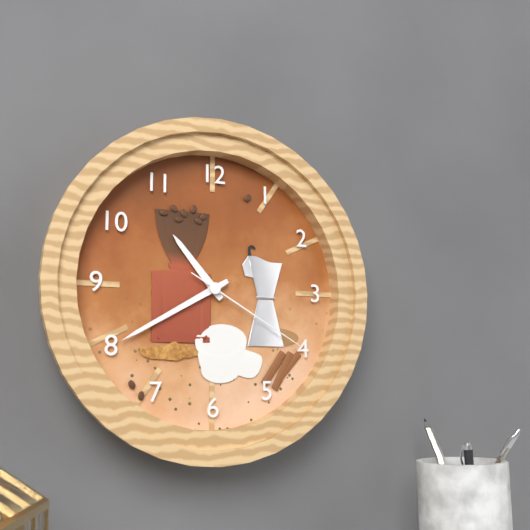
10:40:20
